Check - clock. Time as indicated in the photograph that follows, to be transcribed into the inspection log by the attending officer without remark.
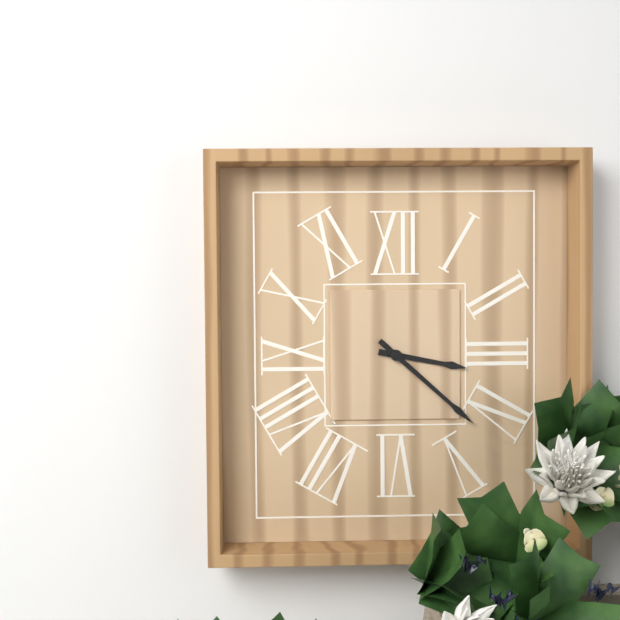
3:22
